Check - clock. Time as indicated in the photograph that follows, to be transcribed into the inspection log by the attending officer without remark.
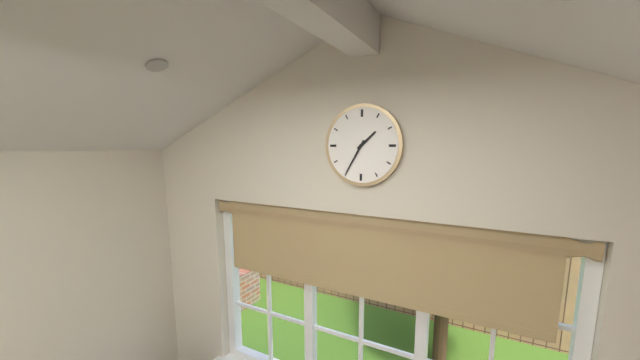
1:35
